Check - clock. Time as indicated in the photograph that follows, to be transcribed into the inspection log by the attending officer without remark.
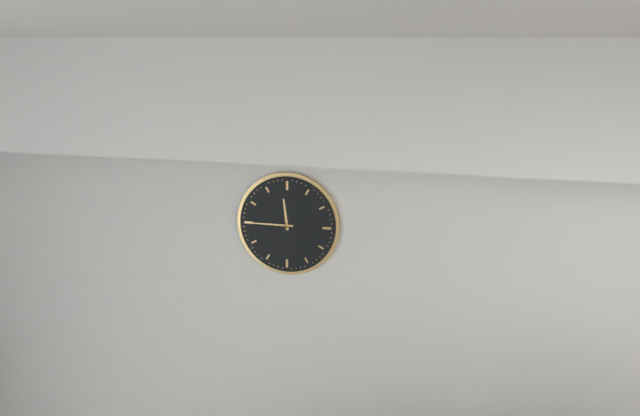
11:45
